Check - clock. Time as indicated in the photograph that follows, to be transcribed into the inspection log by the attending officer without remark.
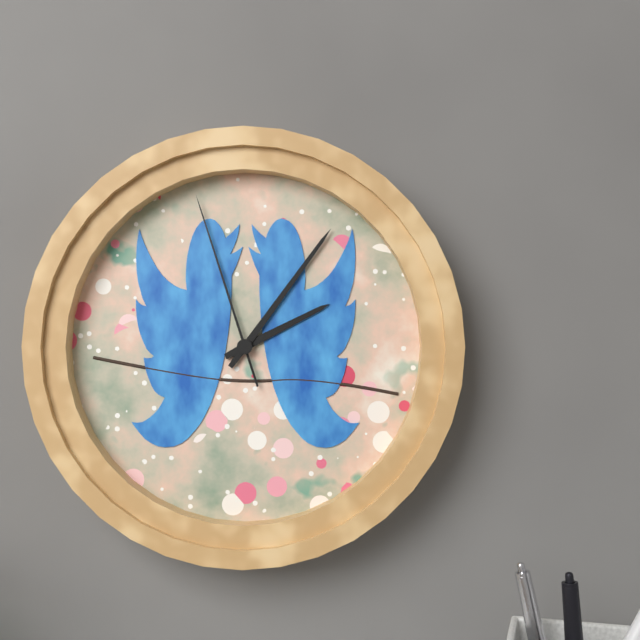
2:06:57
